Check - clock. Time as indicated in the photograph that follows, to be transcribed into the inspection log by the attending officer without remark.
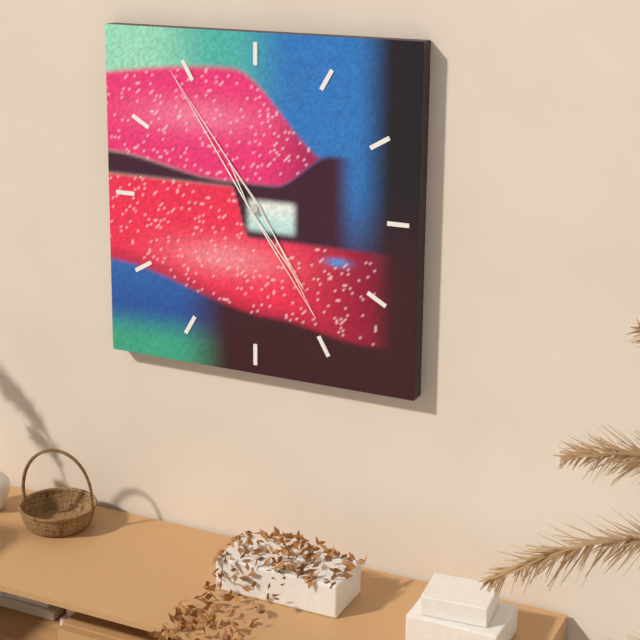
4:54
